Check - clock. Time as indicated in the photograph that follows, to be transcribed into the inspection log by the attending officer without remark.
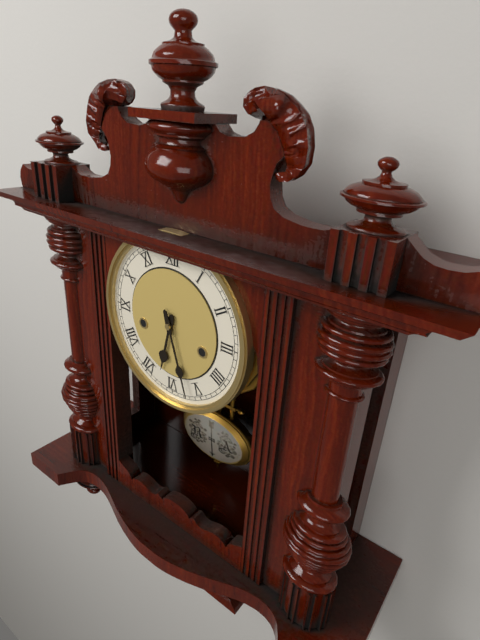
6:27
